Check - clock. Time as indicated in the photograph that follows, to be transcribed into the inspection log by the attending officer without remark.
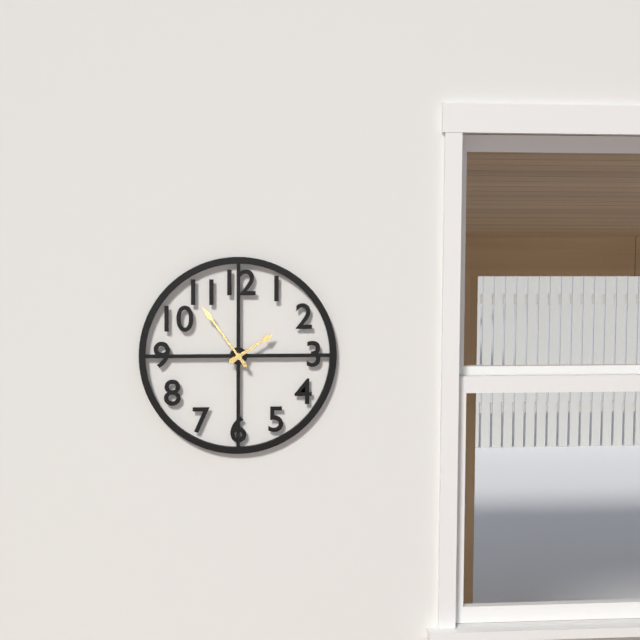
1:54
